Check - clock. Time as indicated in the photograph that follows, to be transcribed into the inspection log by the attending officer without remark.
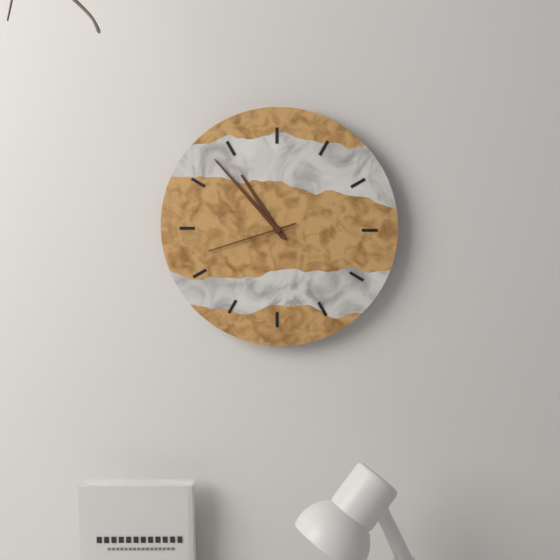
10:53:42
